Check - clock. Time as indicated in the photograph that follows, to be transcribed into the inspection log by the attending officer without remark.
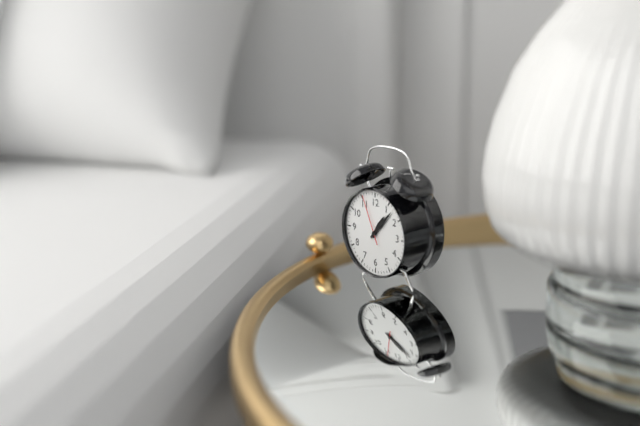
1:07:56
